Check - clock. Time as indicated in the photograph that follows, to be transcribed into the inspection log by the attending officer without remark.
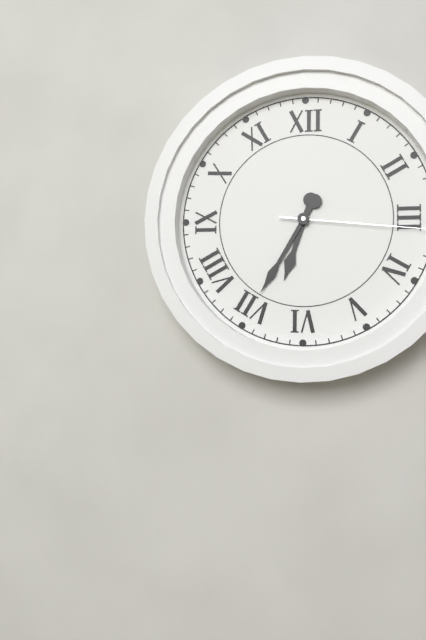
6:35:16
